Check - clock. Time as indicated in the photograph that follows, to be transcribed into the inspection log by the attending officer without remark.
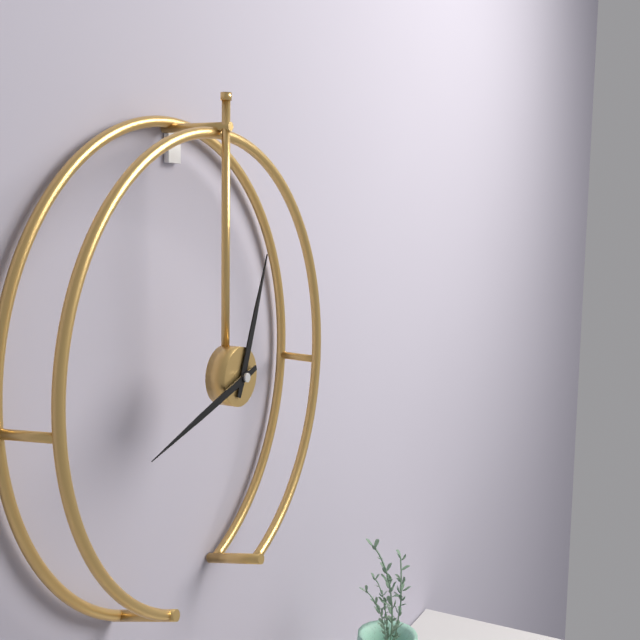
12:42
